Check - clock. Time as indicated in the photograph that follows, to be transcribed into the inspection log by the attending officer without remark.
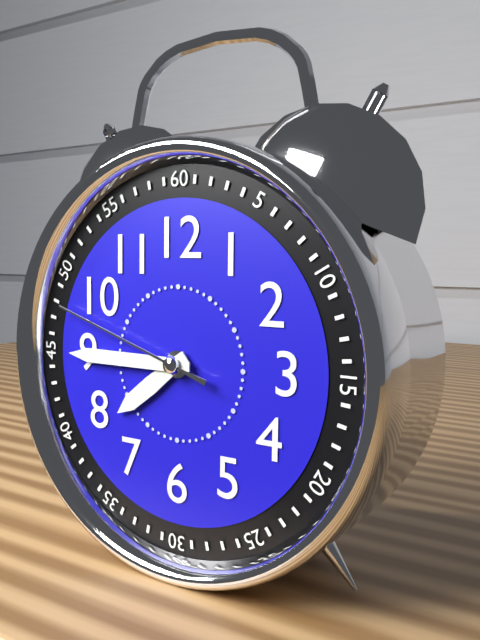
7:45:48
